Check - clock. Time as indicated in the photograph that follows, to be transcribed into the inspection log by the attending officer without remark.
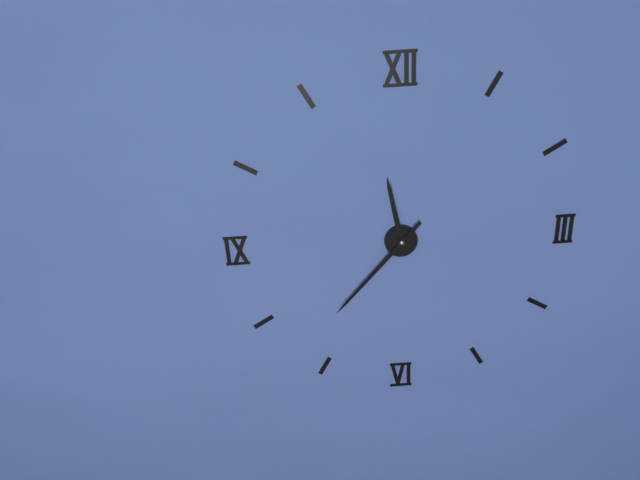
11:37
